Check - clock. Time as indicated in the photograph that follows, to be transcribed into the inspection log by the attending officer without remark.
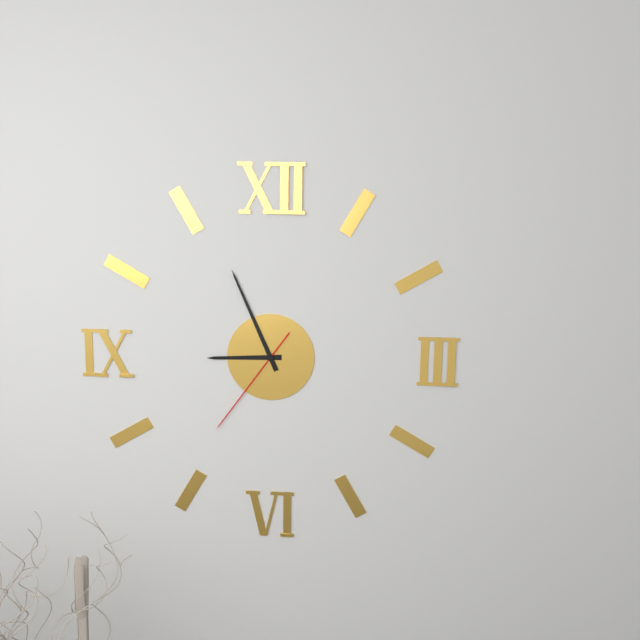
8:56:36
